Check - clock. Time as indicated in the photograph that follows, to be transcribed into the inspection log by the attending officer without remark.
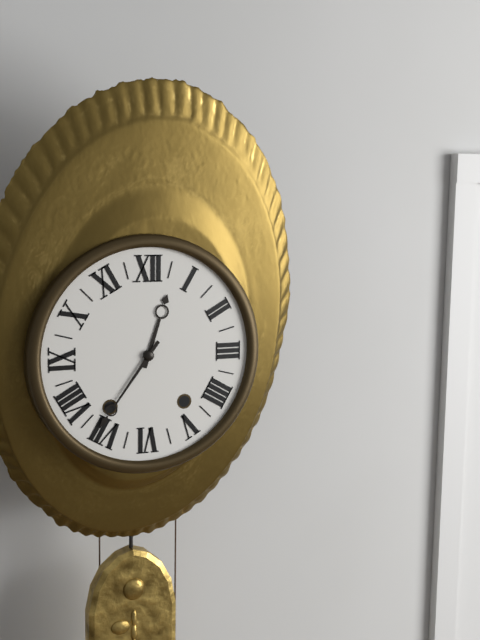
12:36
